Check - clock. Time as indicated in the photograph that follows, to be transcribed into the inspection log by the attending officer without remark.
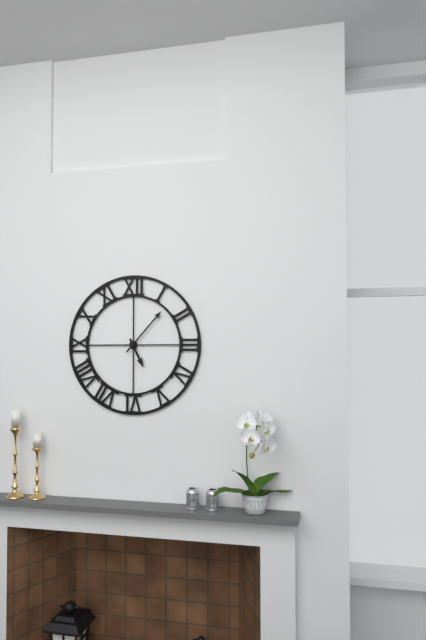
5:07
